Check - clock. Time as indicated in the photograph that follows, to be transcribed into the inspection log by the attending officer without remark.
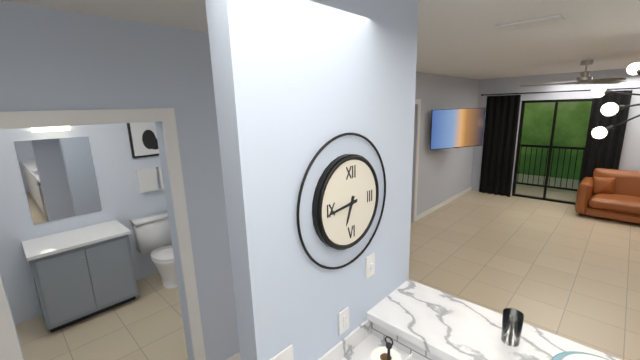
6:44
